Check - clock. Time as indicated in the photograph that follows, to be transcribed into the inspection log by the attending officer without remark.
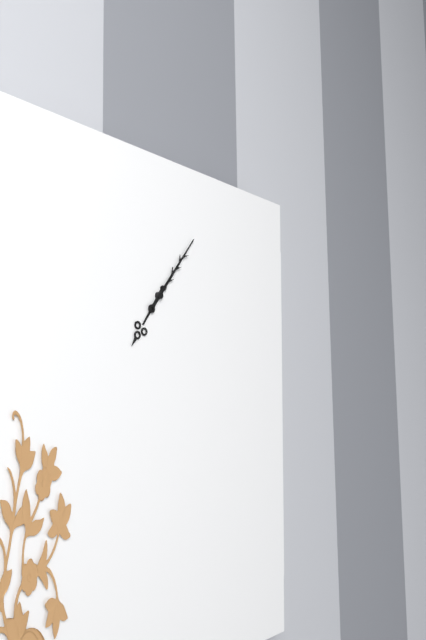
7:06
